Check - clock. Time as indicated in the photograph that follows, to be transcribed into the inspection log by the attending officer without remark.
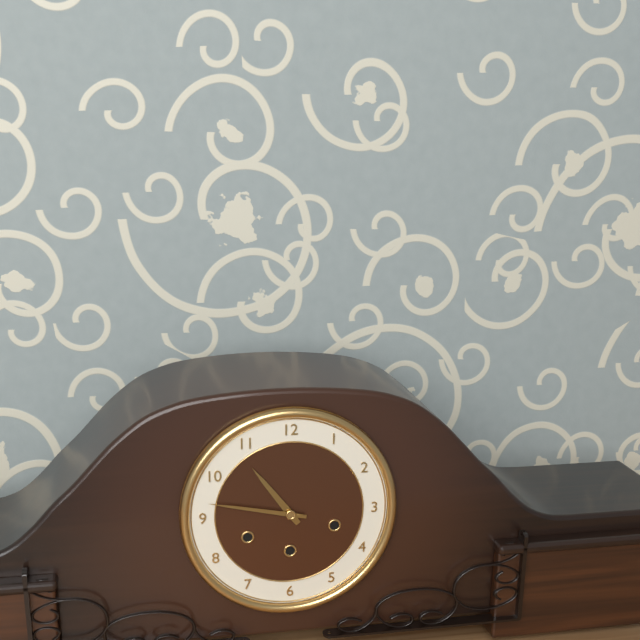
10:47
